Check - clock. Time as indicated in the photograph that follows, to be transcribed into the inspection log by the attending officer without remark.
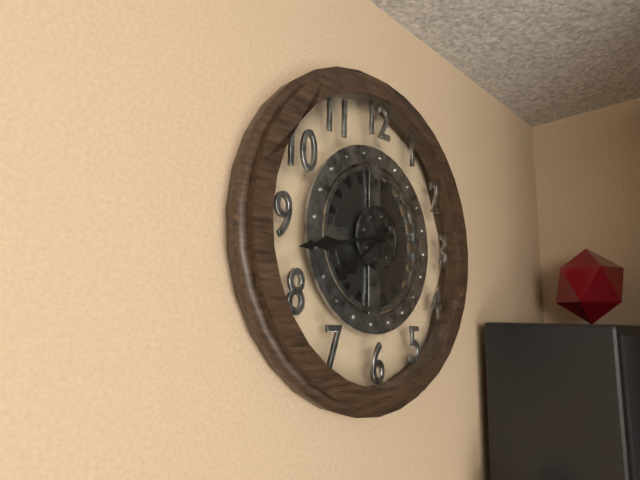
7:43
